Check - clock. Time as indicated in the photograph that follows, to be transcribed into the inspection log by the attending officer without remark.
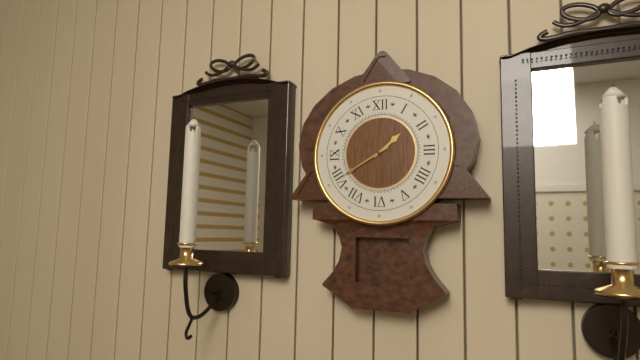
1:40
